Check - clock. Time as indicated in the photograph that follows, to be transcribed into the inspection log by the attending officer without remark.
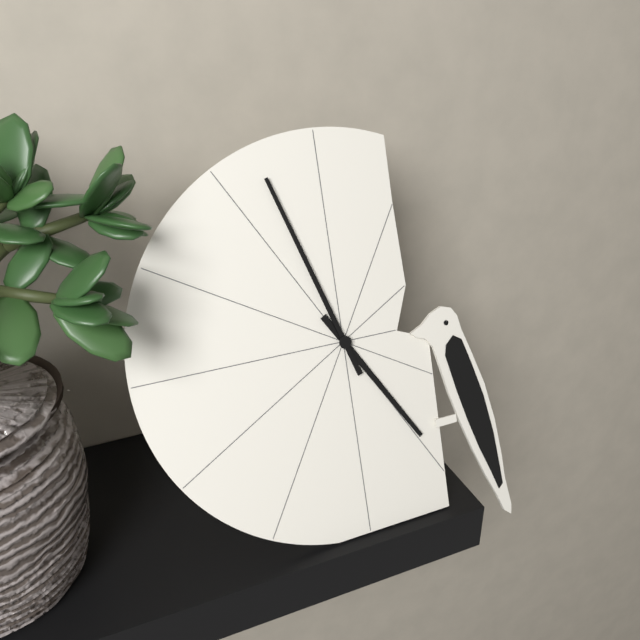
4:57
